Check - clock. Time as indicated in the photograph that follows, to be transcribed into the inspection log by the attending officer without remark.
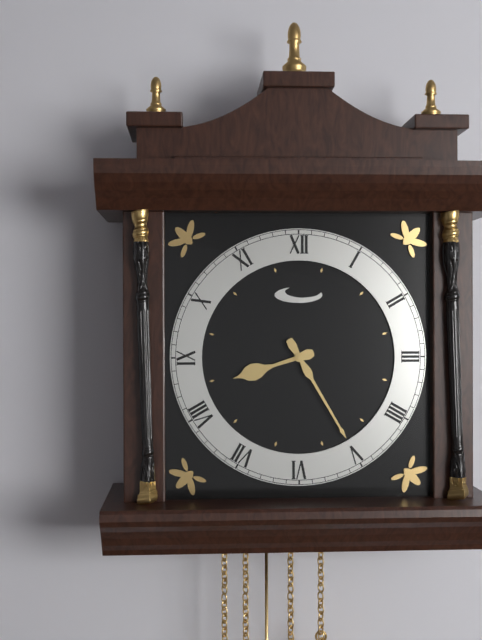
8:25
